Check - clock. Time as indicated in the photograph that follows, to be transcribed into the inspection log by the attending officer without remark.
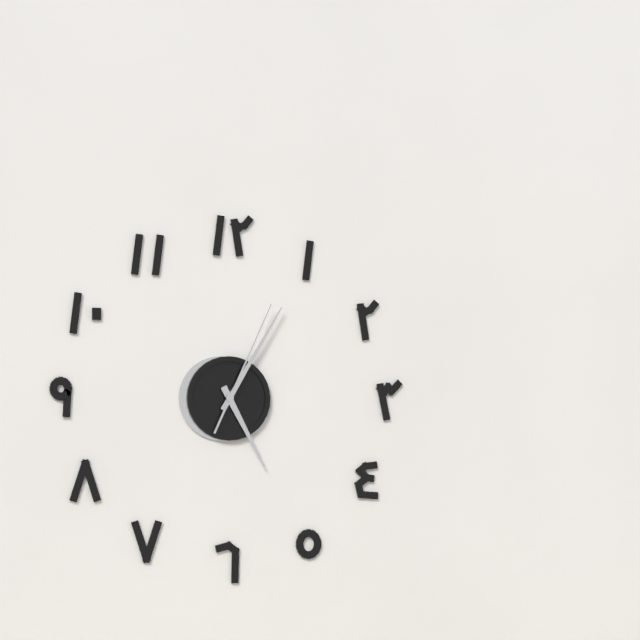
5:05:04
